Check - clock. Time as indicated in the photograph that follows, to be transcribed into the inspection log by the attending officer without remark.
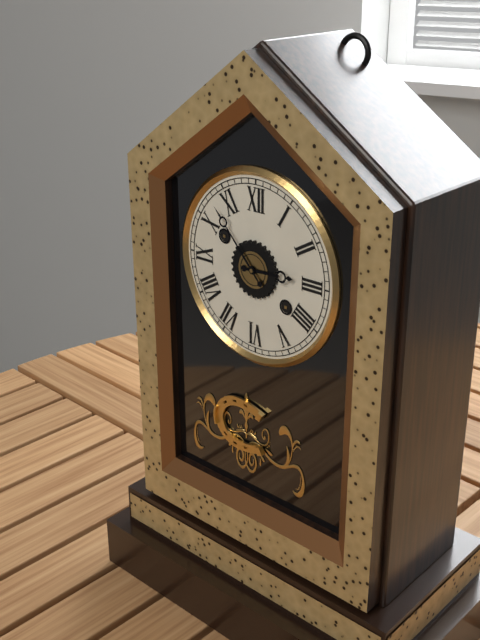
2:53
